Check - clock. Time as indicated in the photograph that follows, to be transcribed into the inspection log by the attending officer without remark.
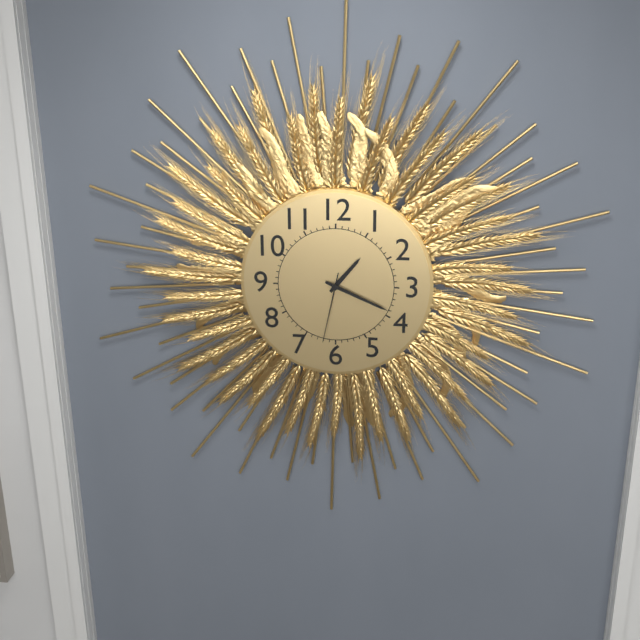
1:19:32
